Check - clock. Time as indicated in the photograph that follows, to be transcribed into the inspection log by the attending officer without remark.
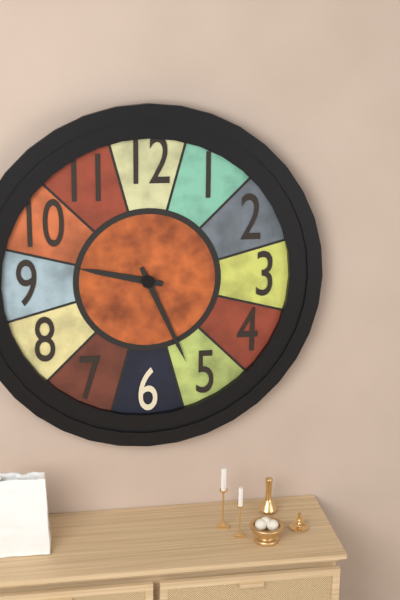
9:26
